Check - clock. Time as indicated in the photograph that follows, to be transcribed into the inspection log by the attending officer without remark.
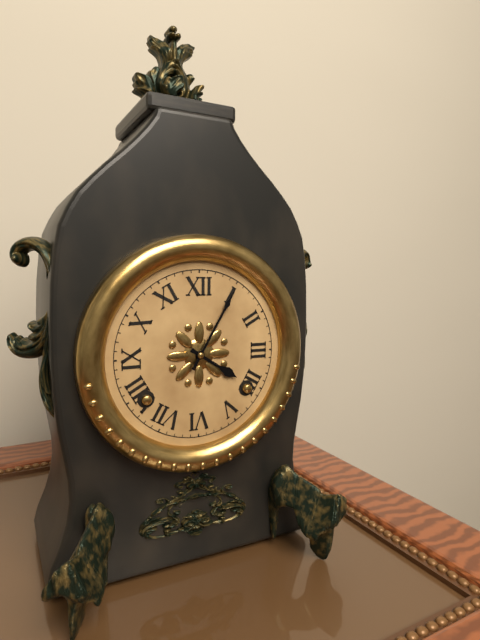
4:05
